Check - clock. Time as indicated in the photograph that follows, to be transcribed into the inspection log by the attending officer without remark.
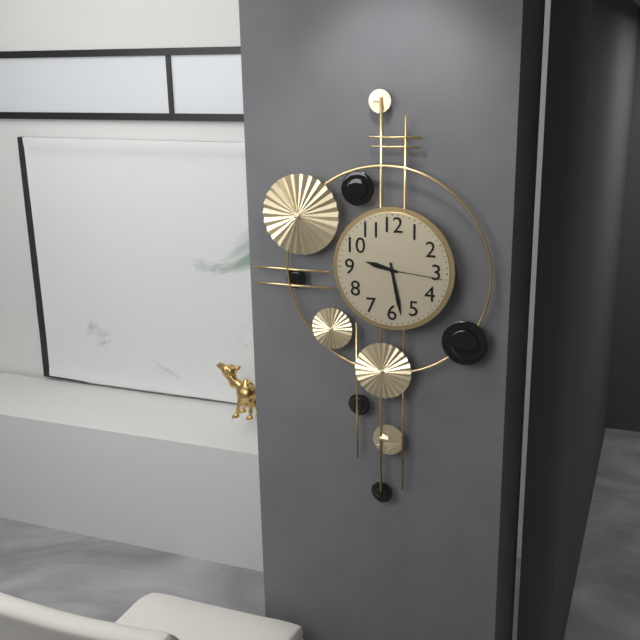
9:28:16
